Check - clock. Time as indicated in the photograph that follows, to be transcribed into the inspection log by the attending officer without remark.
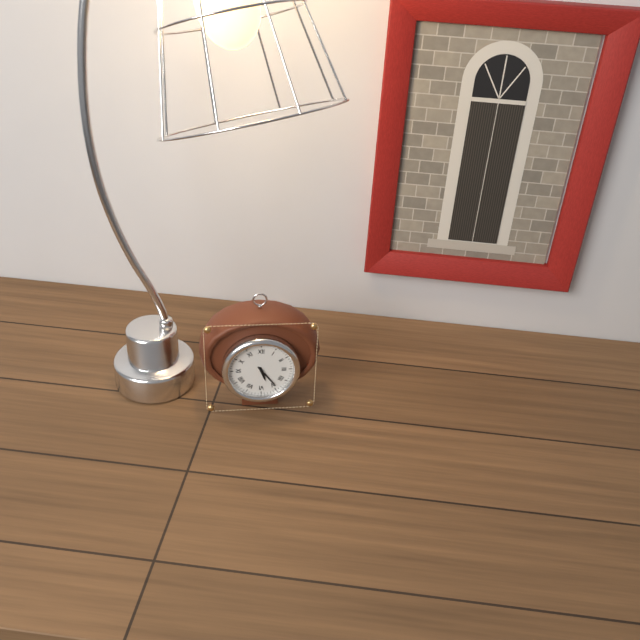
5:24
